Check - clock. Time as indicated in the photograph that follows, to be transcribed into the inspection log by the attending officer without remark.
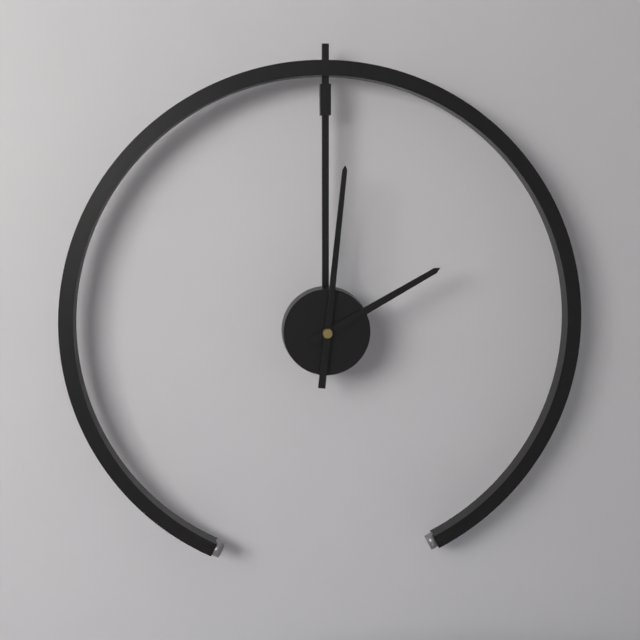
2:01
